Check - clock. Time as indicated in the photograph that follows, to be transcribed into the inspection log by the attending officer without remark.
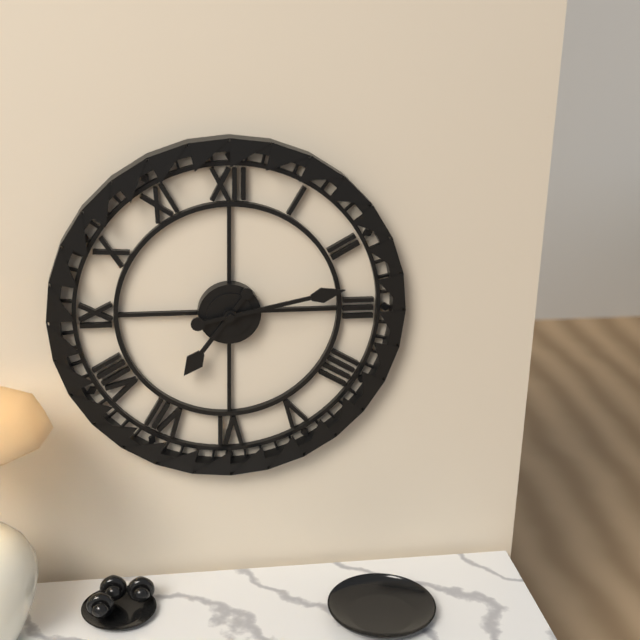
7:13
